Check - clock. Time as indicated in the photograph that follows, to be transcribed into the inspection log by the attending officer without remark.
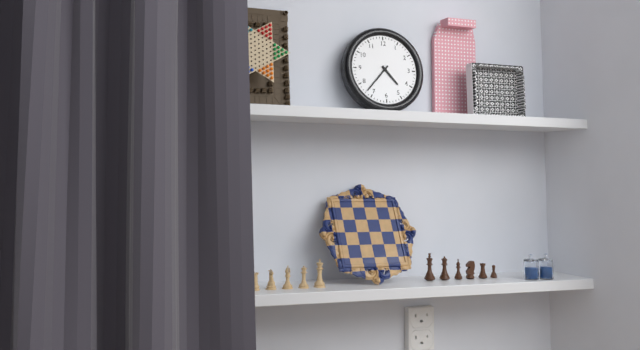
4:37
